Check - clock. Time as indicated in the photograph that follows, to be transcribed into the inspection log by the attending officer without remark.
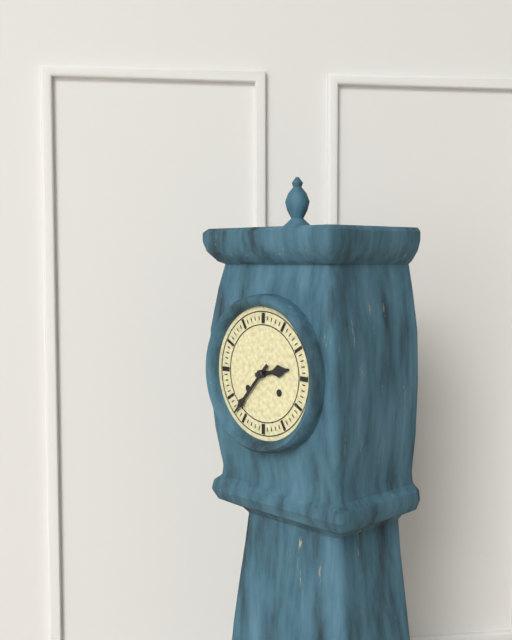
2:37
